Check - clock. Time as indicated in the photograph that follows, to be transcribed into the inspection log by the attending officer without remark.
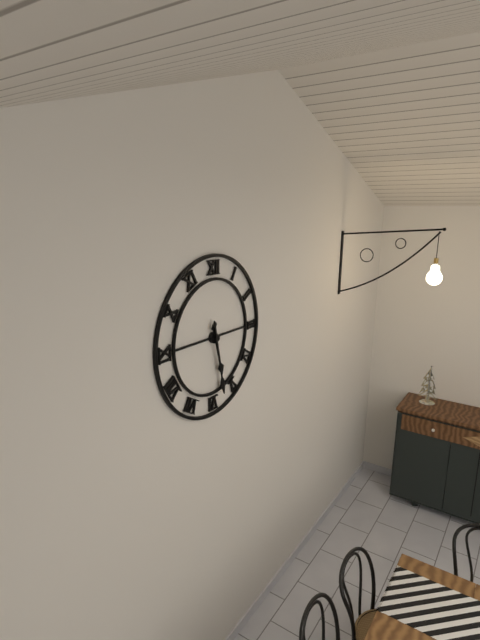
5:28
